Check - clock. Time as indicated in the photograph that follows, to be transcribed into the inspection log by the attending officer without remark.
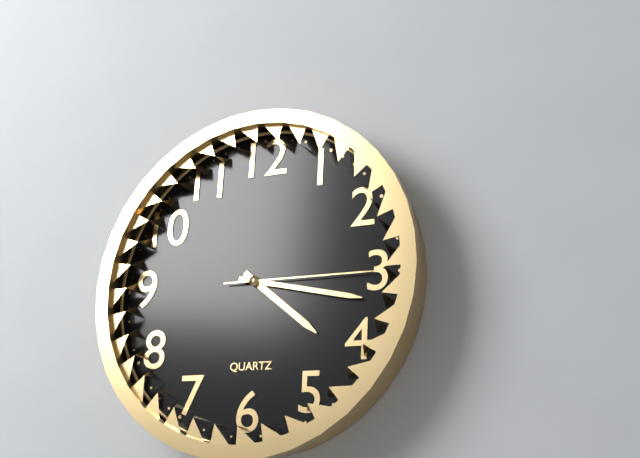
4:17:15
